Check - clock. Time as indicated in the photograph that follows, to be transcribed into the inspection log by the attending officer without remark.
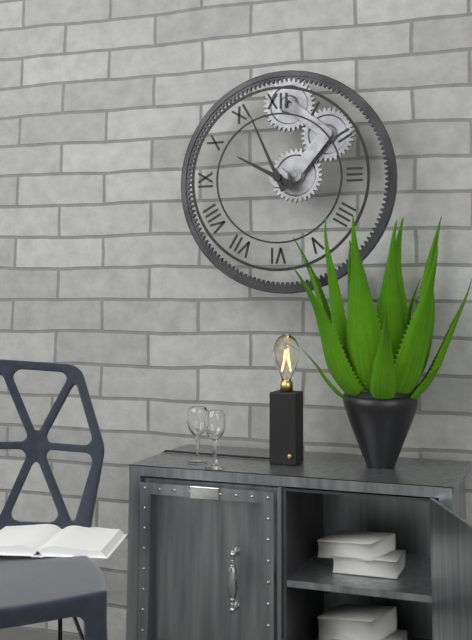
9:56
